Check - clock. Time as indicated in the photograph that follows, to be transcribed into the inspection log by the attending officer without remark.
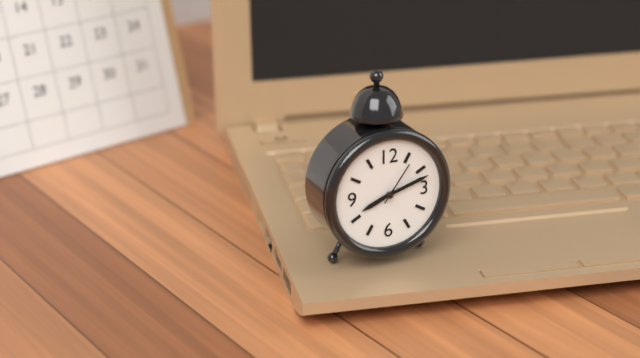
8:12
